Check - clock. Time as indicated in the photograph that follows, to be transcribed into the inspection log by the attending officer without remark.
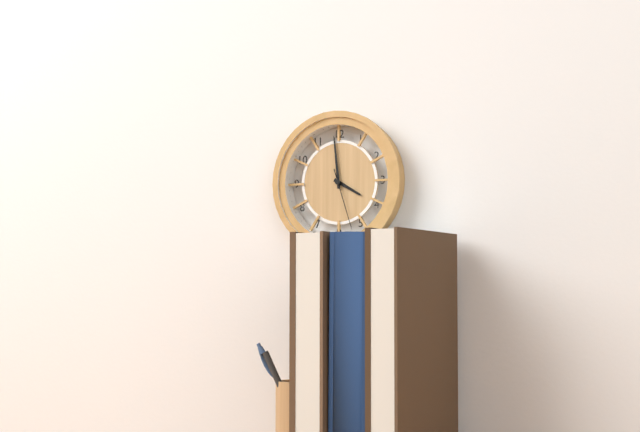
3:59:27
